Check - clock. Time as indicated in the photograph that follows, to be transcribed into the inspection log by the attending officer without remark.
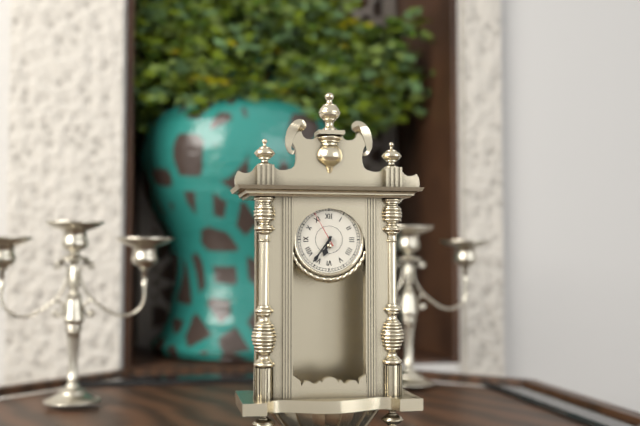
6:36
